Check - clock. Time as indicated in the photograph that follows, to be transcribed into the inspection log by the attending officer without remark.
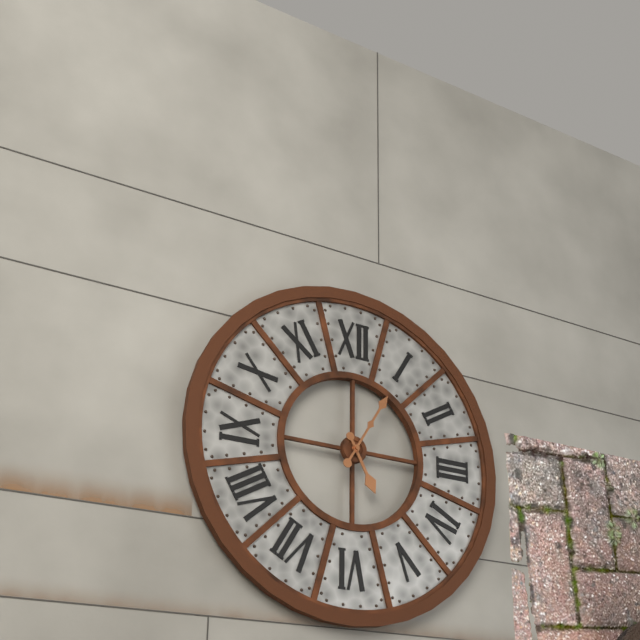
5:05
